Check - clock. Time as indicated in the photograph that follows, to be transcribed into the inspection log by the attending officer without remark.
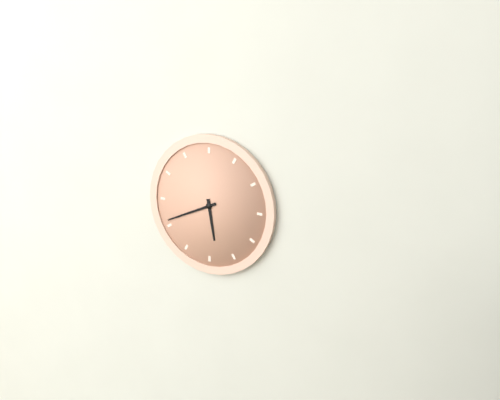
5:41
